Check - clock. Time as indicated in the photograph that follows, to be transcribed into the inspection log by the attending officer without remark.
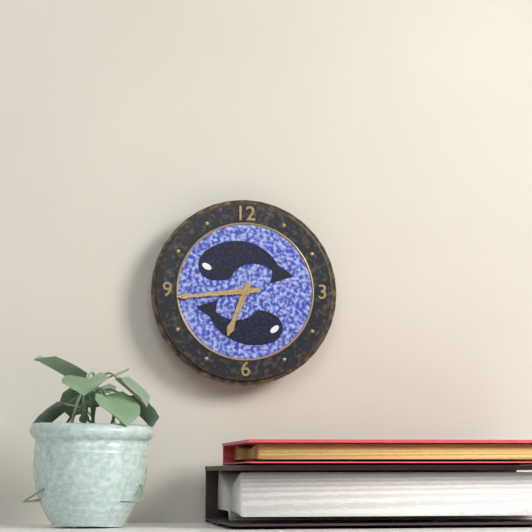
6:44
